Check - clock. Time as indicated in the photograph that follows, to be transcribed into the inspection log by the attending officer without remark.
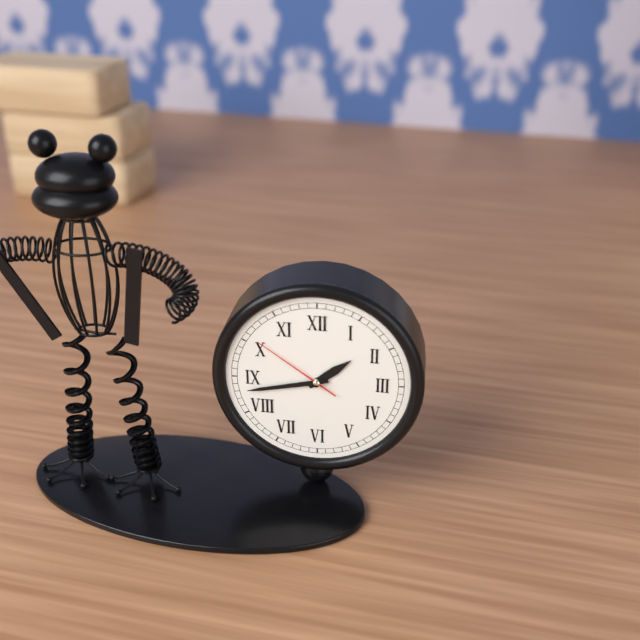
1:43:51
